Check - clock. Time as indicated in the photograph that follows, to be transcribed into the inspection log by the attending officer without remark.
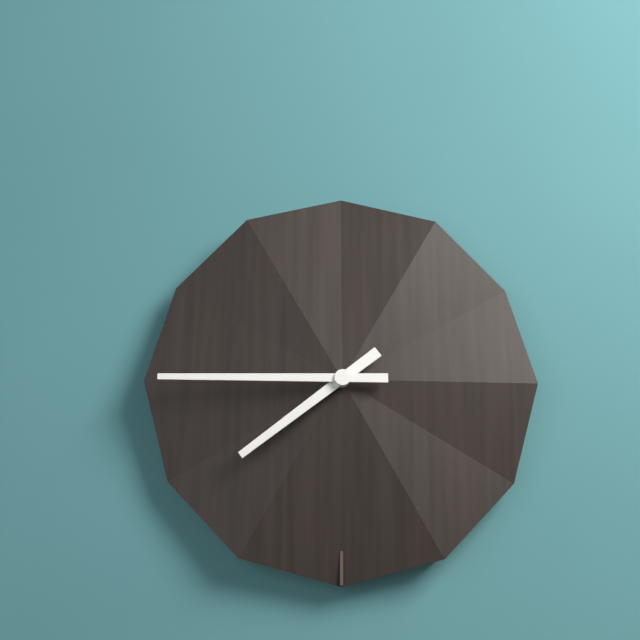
7:45
